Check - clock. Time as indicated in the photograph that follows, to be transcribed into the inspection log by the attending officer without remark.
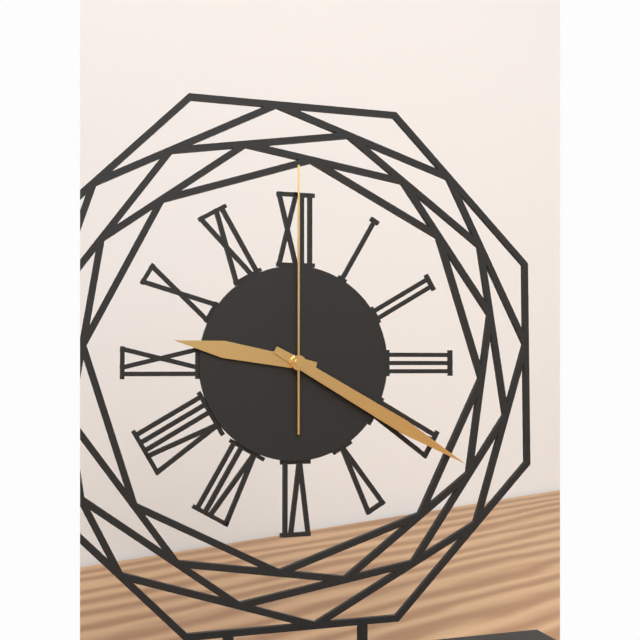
9:20:00
